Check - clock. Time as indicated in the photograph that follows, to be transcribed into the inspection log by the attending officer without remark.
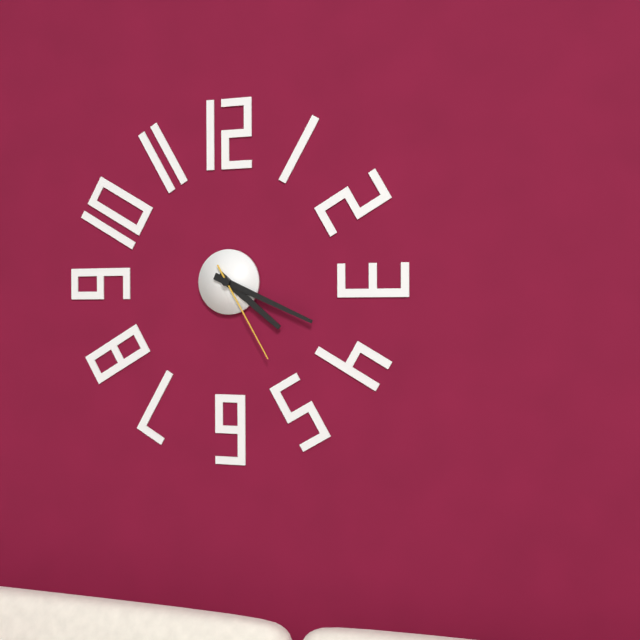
4:19:25
